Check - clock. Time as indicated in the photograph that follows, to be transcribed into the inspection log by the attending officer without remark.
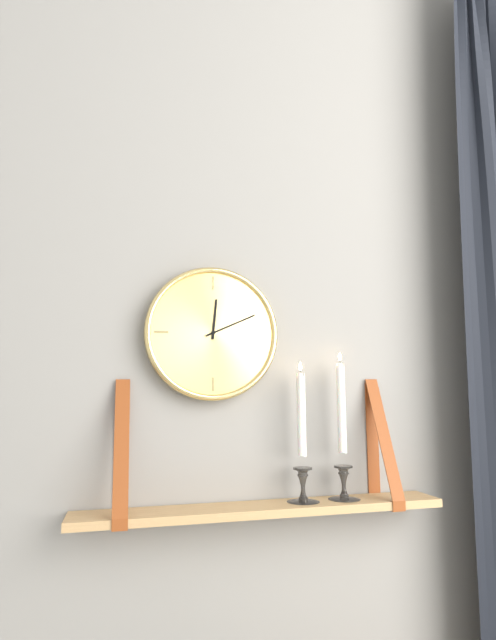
12:11
